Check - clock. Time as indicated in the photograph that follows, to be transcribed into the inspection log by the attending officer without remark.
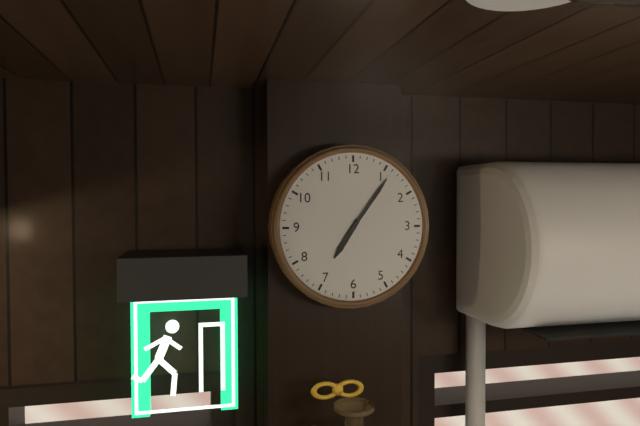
7:06
